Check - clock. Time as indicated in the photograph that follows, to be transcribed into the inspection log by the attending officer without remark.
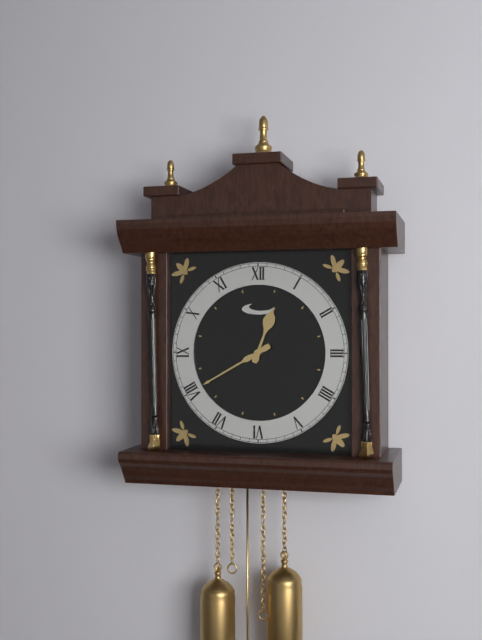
12:40
